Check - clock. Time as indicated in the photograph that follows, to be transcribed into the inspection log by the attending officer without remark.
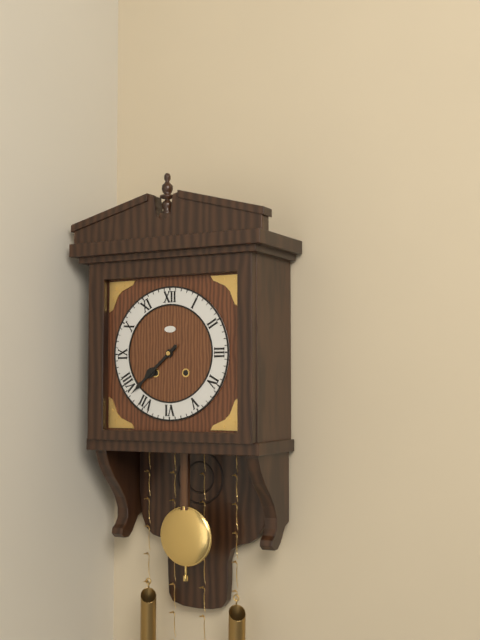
7:38
